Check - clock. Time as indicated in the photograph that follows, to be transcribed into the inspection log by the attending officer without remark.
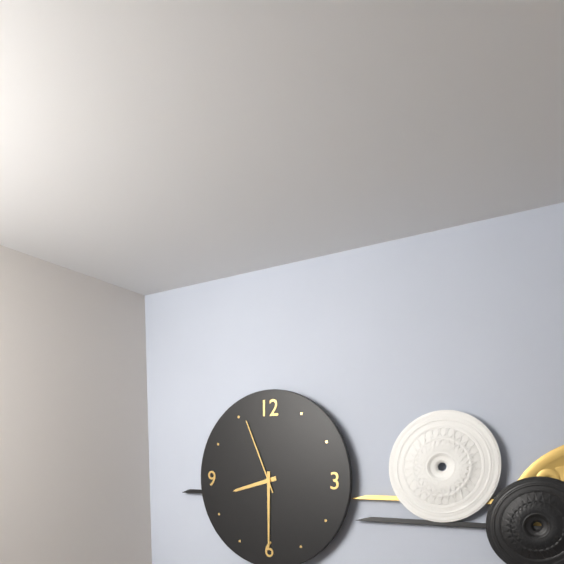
8:30:56
